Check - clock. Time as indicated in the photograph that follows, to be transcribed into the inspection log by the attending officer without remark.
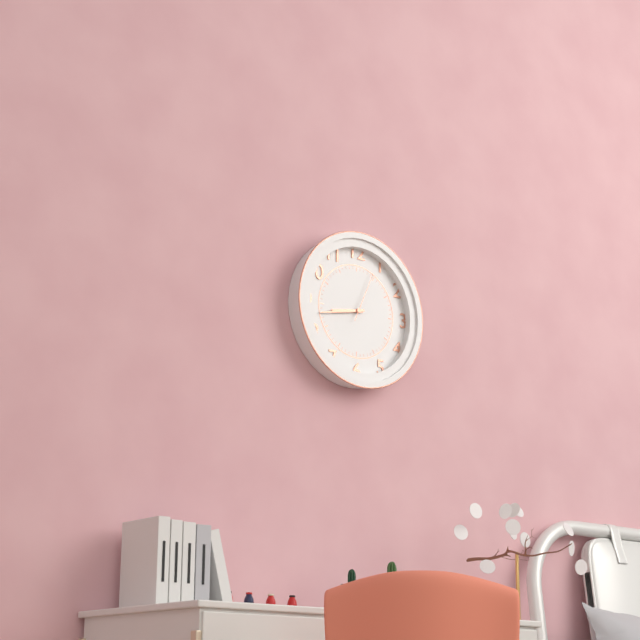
8:43:04
